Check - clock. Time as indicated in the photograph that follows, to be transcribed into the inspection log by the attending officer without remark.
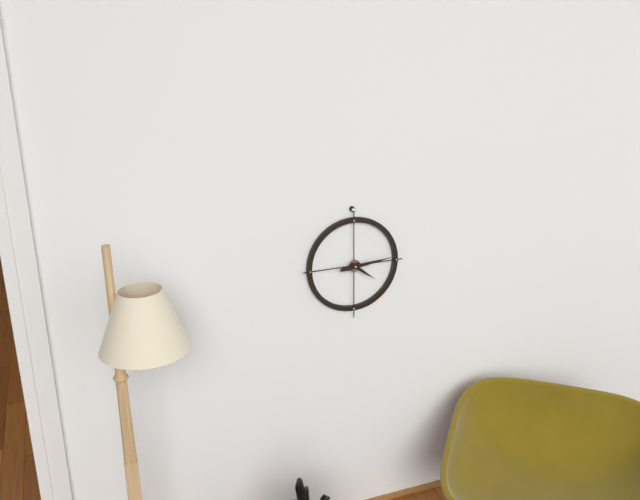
4:14
